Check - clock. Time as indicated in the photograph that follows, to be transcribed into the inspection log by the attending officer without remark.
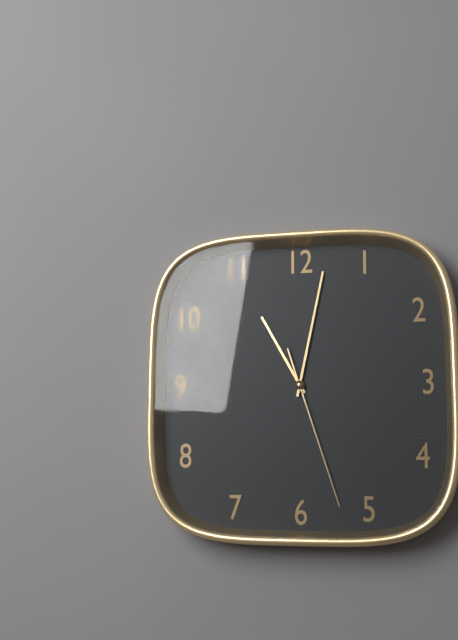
11:02:27
